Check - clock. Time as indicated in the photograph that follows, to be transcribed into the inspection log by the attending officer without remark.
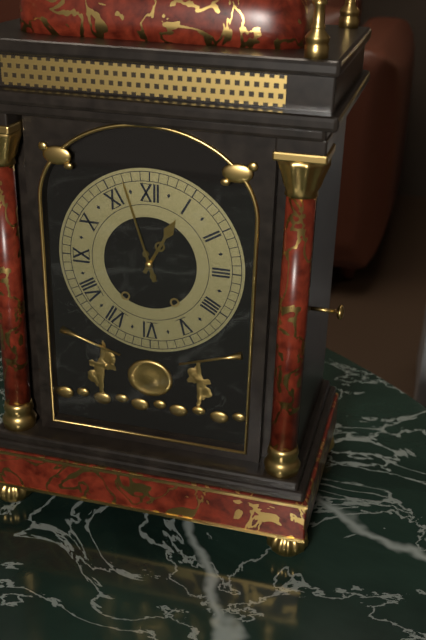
12:57
